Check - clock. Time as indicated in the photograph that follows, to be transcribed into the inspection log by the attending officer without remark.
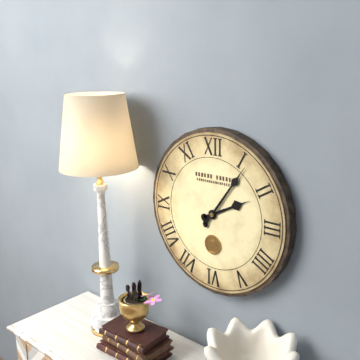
2:06
